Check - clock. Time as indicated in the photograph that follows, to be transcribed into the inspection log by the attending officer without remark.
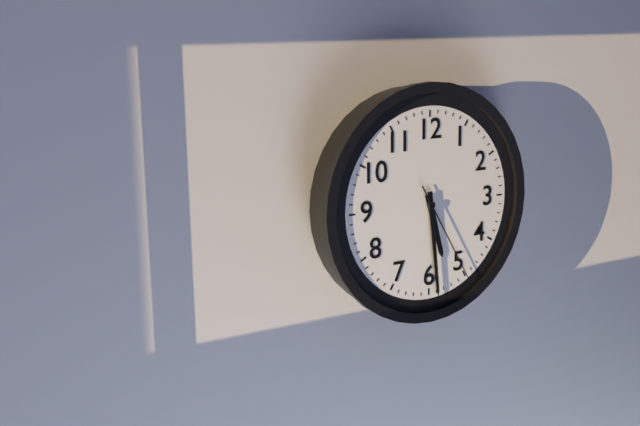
5:29:25
